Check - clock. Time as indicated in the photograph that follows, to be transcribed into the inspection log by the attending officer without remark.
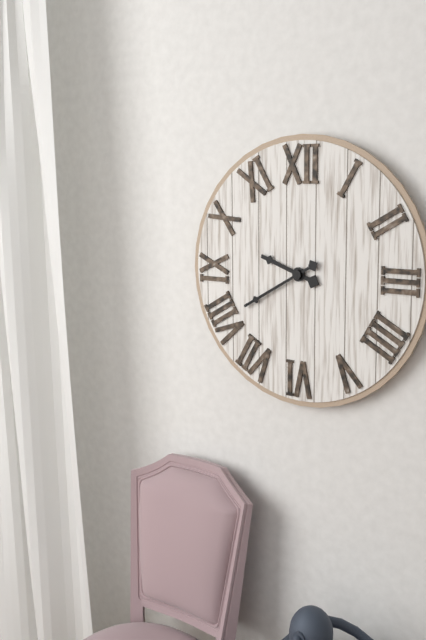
9:40
